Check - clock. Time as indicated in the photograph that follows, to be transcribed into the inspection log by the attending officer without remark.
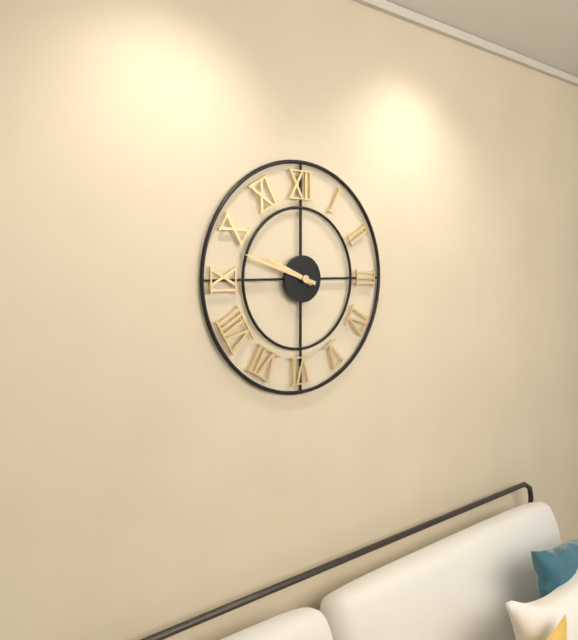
9:48
